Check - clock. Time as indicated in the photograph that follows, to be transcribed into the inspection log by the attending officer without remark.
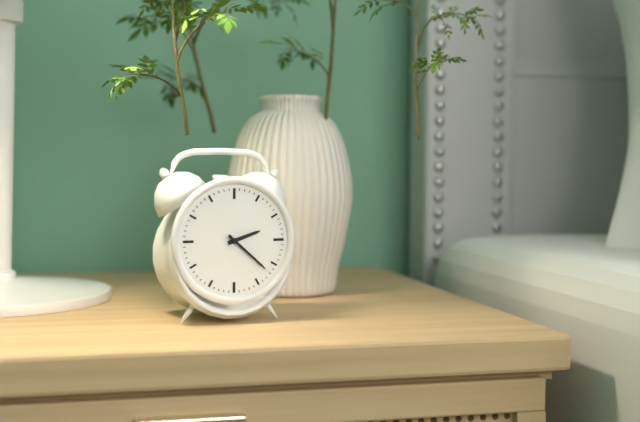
2:22
